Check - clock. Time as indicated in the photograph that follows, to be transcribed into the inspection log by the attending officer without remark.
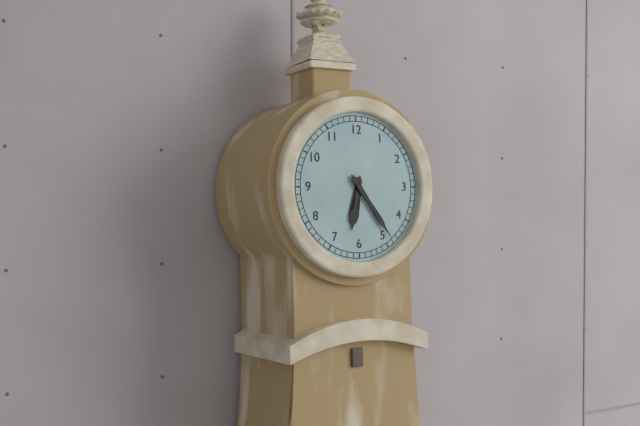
6:24
